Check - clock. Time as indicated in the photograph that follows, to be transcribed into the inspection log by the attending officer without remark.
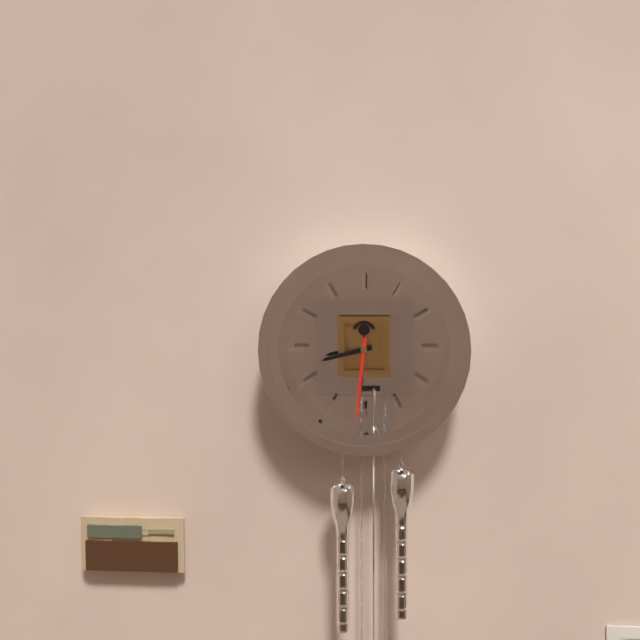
8:31
